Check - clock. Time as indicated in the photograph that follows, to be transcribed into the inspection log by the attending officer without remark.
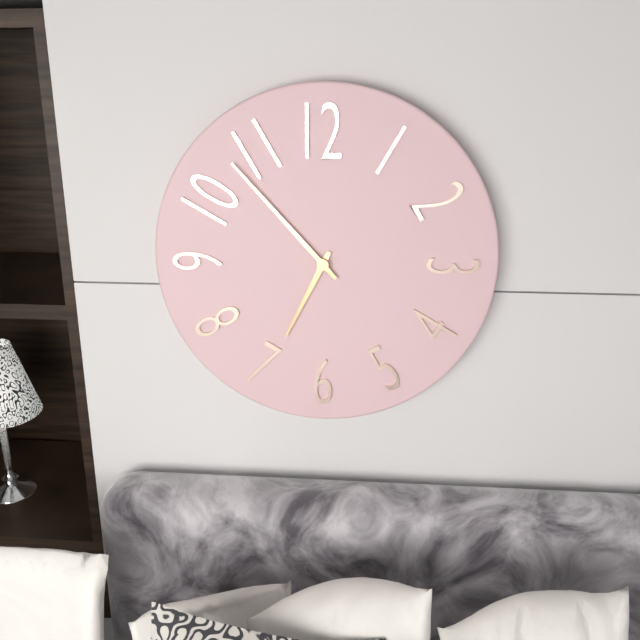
6:53
